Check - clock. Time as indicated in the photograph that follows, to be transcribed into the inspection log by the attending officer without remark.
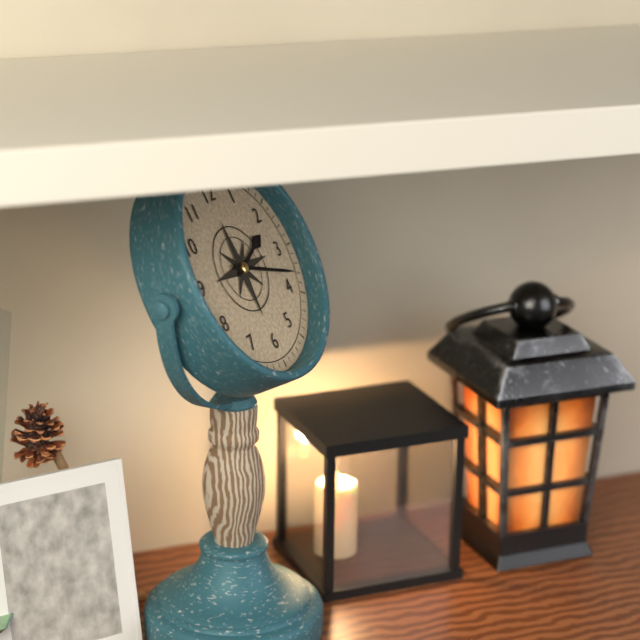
2:18
